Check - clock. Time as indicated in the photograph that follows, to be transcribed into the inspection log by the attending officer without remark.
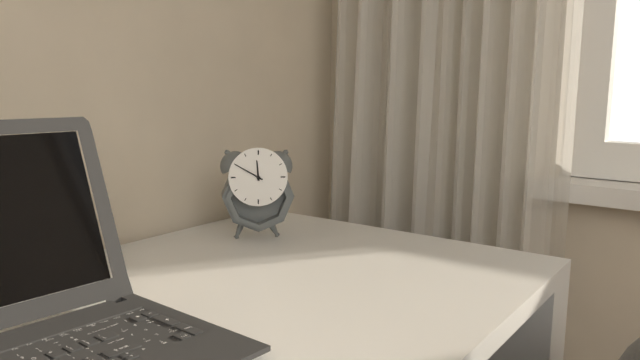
11:50
